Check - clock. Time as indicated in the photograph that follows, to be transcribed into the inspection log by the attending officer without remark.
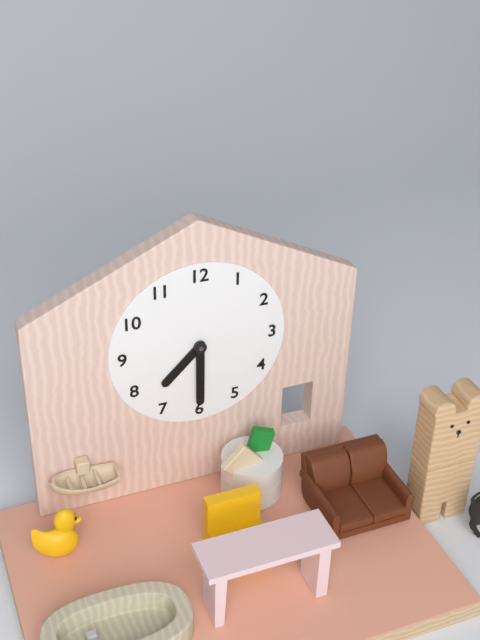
7:30
